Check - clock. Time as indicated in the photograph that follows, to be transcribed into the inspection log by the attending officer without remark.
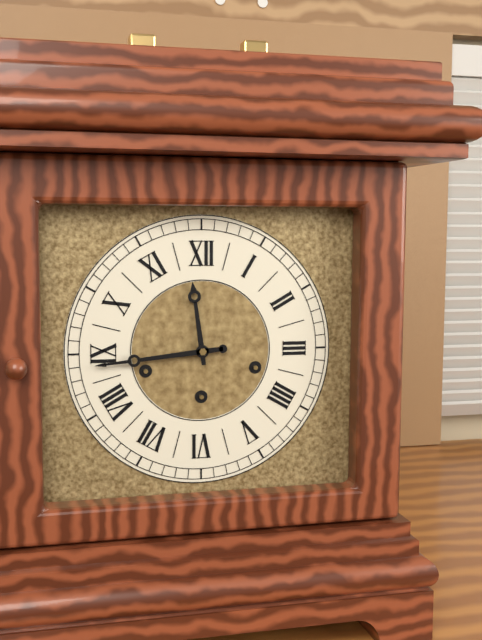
11:44
